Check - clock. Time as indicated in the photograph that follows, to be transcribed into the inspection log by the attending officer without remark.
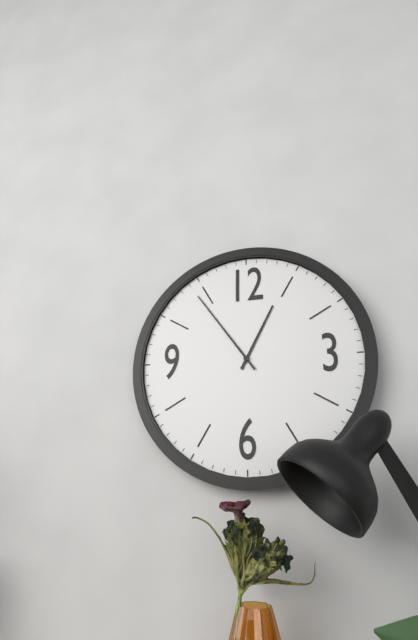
12:54
